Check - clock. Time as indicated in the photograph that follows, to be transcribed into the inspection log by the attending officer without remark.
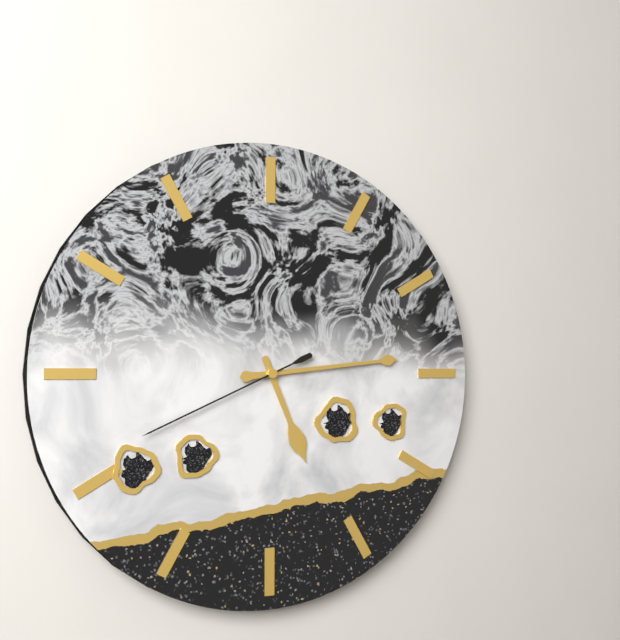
5:14:41
